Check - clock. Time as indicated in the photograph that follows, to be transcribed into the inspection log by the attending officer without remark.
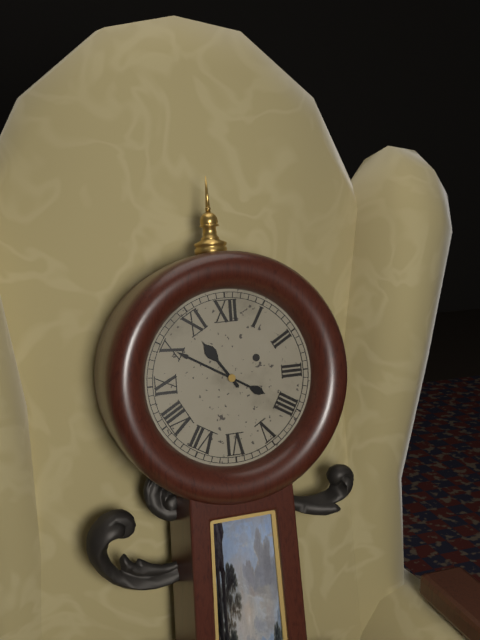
10:50
